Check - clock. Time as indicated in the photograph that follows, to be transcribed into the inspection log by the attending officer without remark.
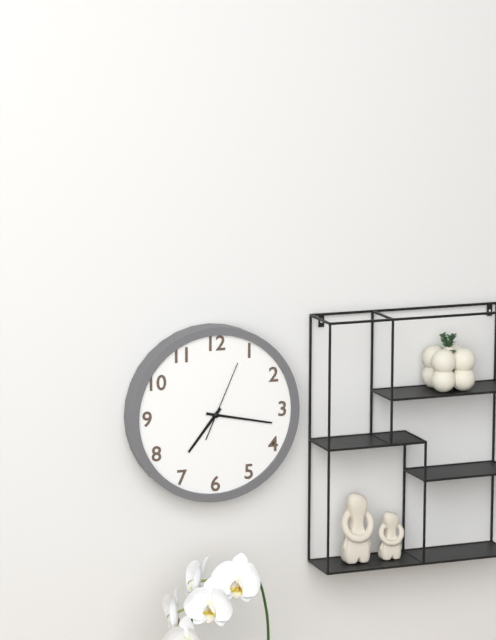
7:17:04
